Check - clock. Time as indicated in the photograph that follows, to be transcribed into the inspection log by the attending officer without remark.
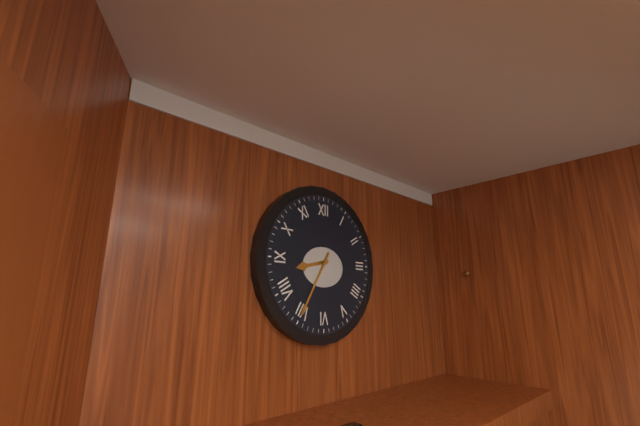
8:35
